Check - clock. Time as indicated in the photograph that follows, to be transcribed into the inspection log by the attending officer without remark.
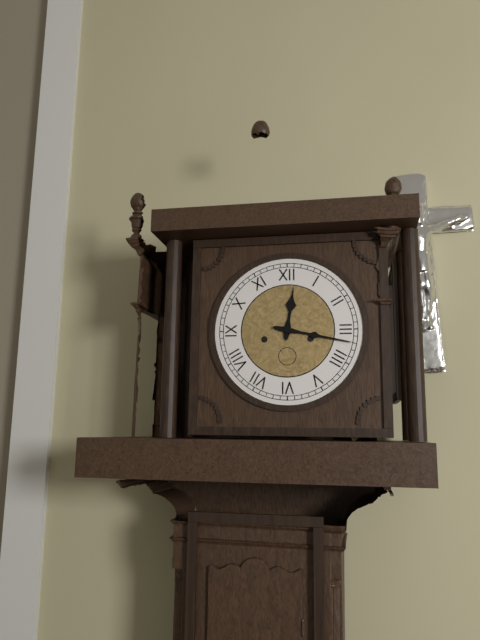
12:17
